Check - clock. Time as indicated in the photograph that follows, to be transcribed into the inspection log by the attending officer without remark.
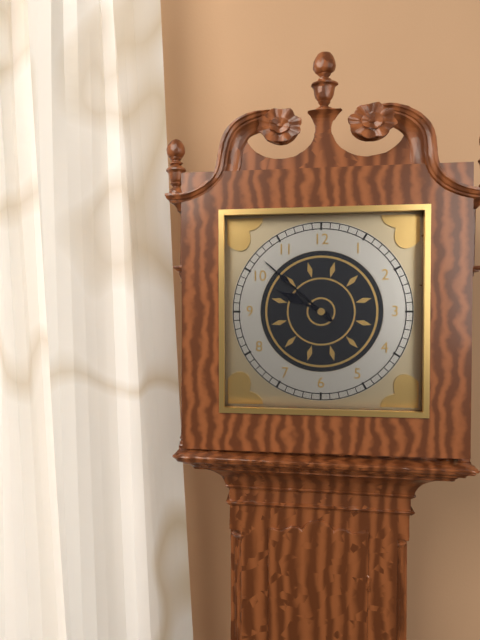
9:52
